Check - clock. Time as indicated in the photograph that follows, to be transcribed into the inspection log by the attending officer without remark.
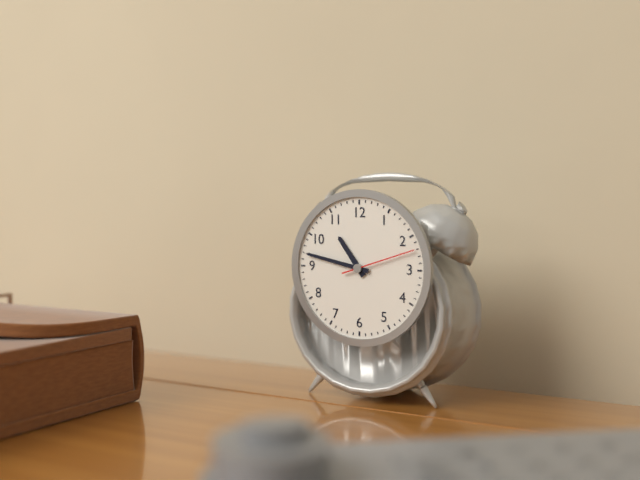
10:47:12
